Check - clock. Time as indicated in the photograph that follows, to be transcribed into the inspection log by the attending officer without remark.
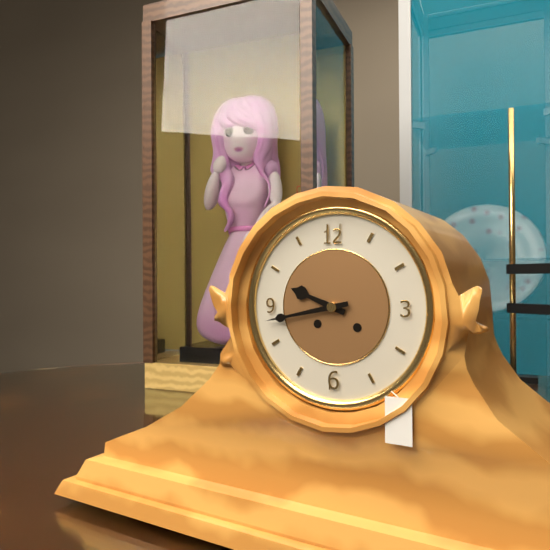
9:43
